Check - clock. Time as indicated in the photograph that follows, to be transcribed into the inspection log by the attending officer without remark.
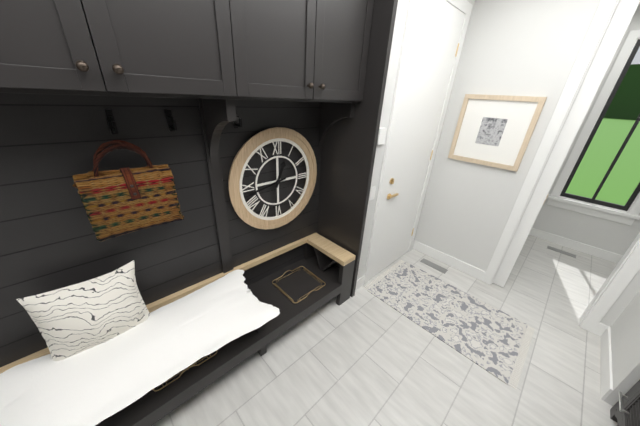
12:43
